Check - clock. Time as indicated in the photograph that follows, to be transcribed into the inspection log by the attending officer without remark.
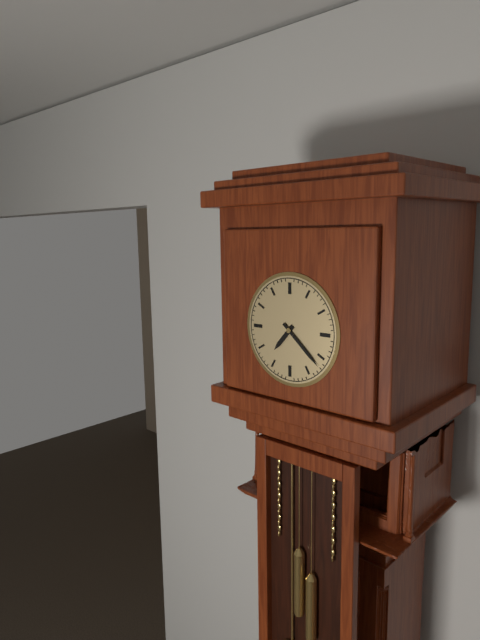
7:22
